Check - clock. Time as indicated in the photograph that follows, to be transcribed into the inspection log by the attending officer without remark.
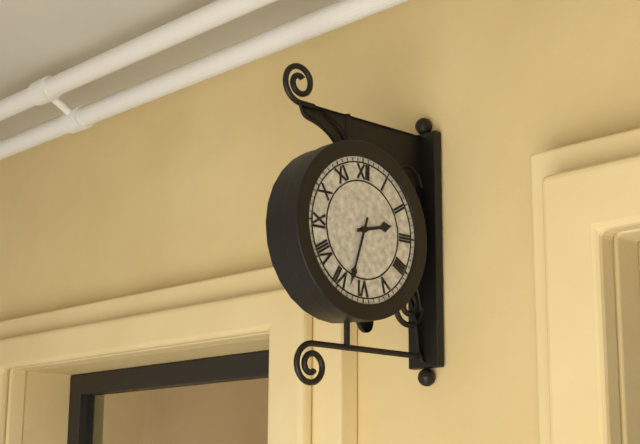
2:33
